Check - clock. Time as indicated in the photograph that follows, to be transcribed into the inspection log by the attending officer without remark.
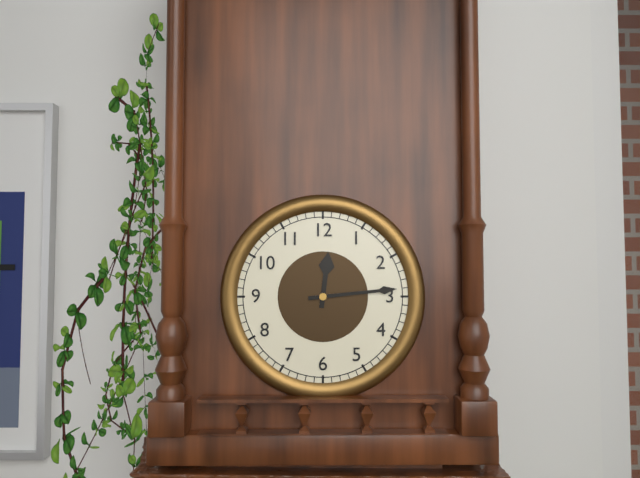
12:14
